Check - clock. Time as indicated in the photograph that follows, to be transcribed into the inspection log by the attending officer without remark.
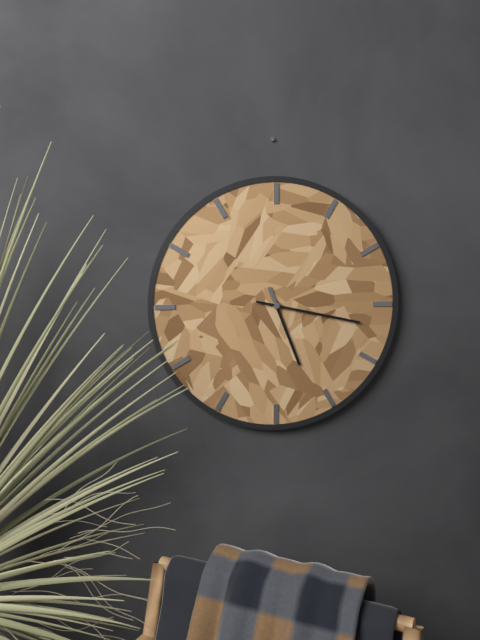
5:17
